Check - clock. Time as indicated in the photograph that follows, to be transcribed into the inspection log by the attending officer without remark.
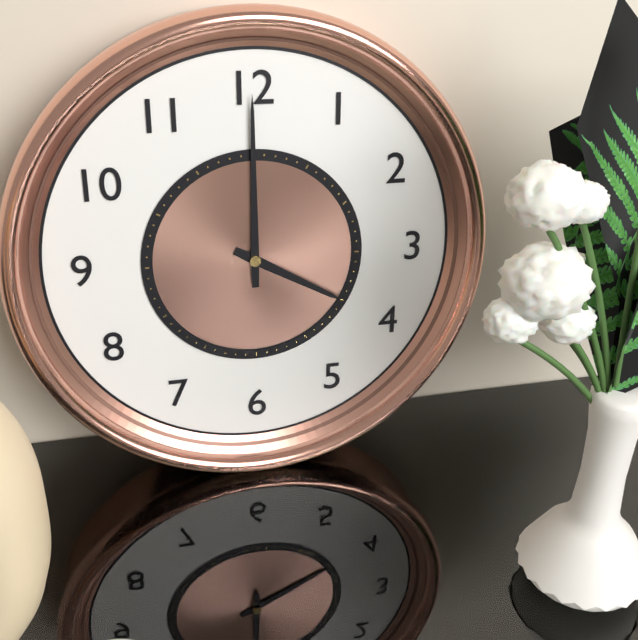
4:00
